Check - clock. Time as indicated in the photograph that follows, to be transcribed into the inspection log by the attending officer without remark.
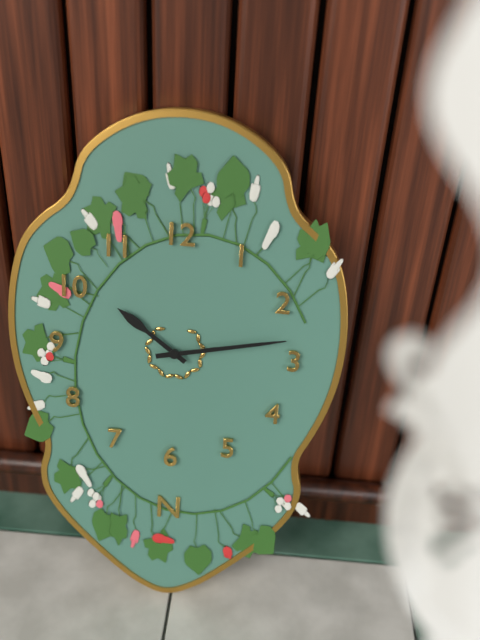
10:13
